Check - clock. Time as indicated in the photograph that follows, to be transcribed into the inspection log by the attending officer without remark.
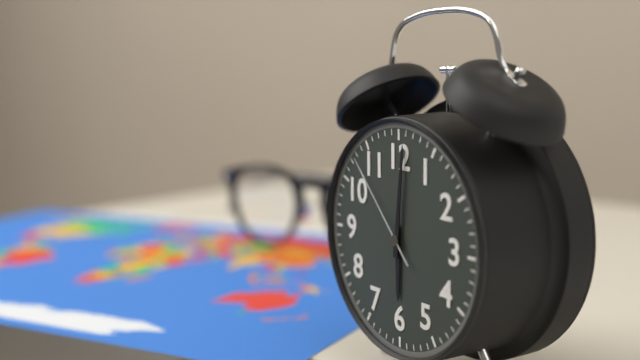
6:01:53
